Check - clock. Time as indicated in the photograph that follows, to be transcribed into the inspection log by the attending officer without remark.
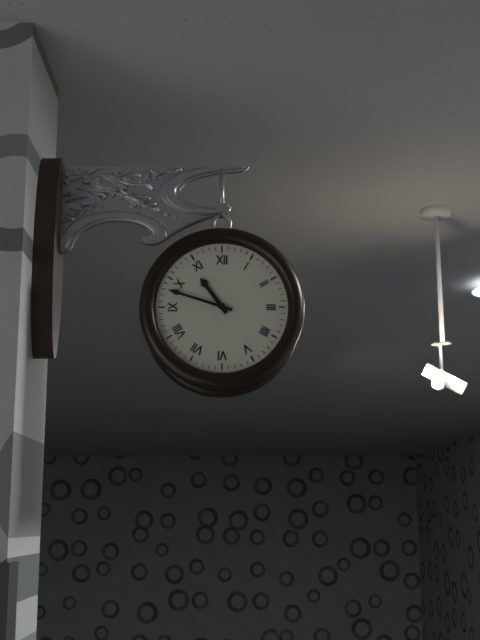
10:48
